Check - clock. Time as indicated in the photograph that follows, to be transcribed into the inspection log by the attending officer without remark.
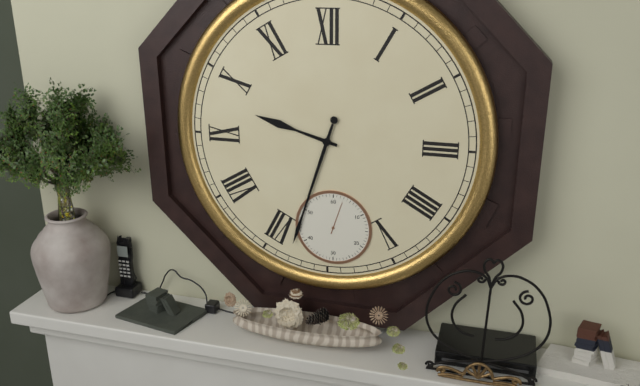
9:33
